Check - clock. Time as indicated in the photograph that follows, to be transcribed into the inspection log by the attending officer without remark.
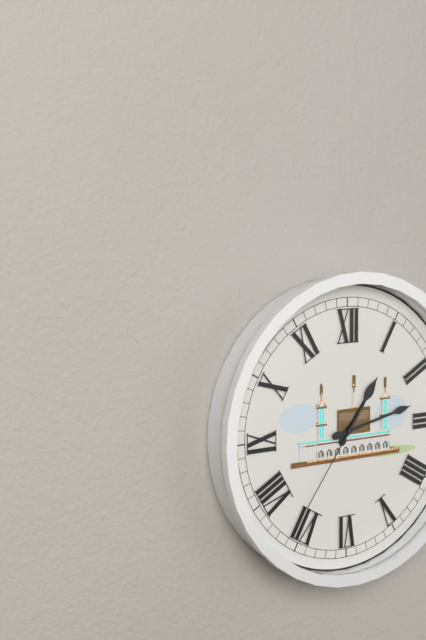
1:13:36
